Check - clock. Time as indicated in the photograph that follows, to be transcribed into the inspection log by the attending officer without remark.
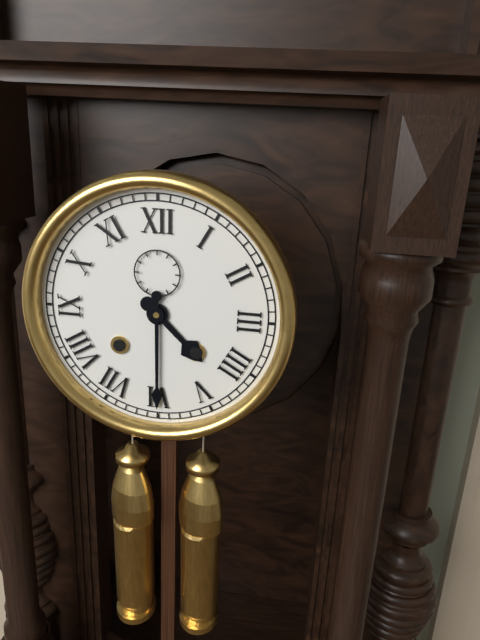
4:30
